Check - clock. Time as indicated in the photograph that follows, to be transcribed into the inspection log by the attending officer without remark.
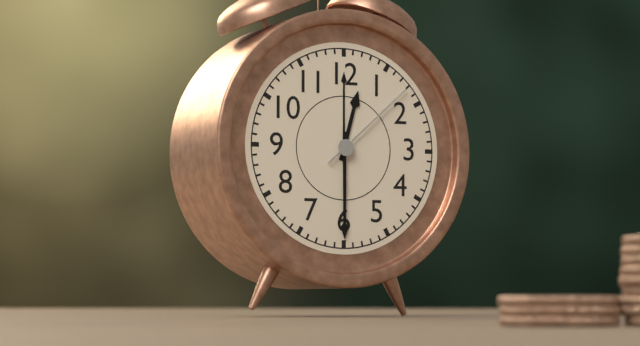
12:30:08
